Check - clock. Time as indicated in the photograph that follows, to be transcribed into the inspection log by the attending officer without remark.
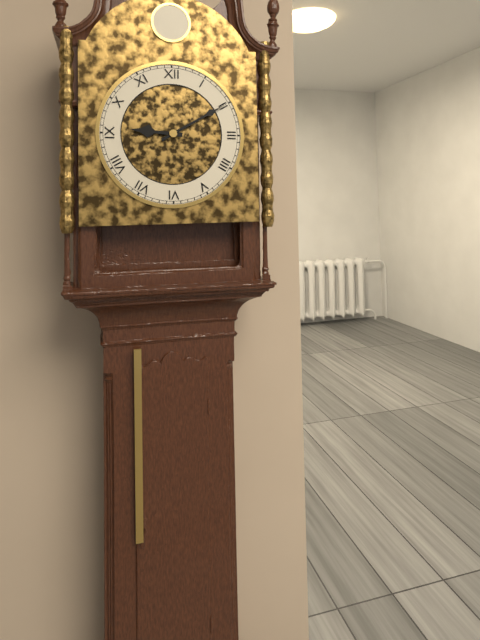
9:10
